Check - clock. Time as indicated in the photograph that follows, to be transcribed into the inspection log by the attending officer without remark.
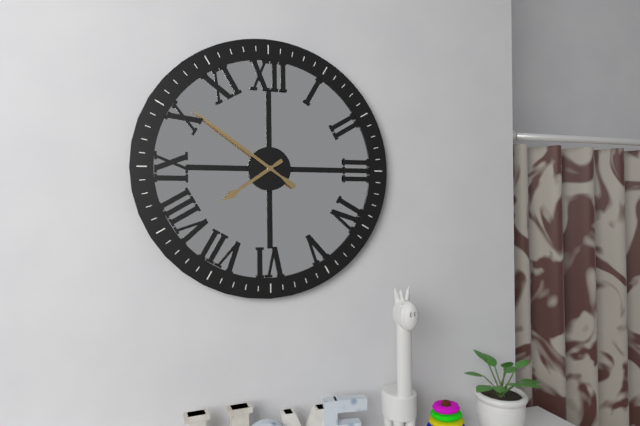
7:51
